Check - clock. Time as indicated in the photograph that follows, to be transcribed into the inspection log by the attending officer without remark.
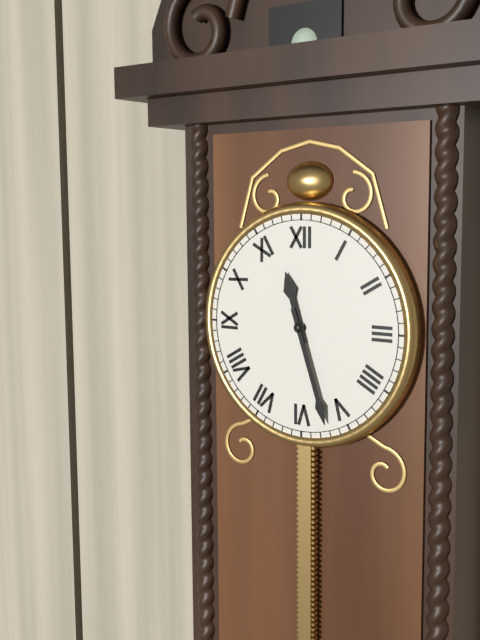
11:27
